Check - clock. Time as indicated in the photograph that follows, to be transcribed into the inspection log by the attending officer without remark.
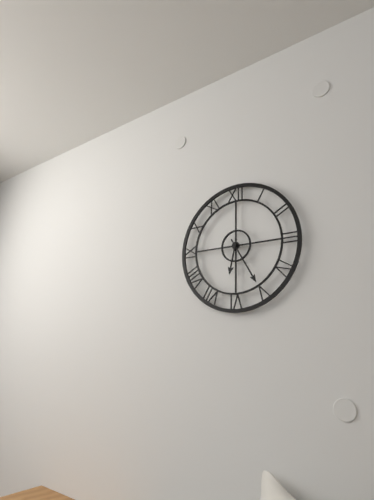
6:25
